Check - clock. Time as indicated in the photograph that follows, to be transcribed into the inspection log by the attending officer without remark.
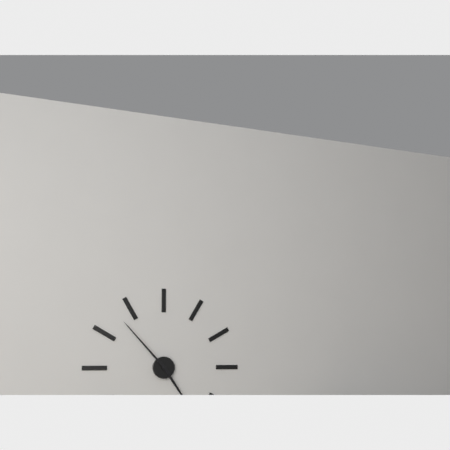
4:53
